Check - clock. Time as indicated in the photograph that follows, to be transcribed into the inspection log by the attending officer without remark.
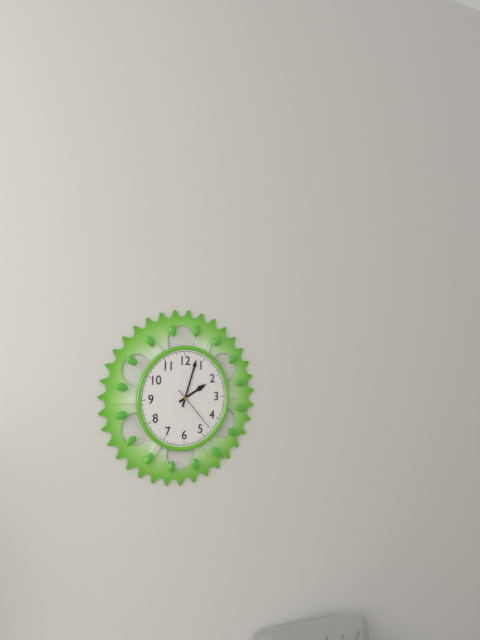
2:03
